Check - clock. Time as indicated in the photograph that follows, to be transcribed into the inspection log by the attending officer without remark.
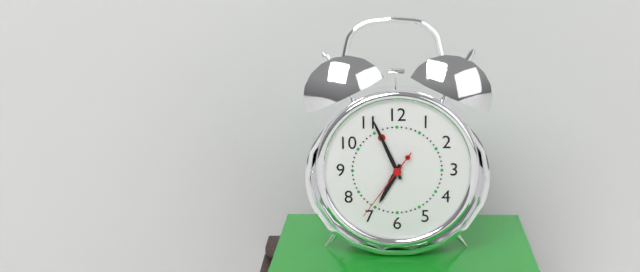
6:56:36
